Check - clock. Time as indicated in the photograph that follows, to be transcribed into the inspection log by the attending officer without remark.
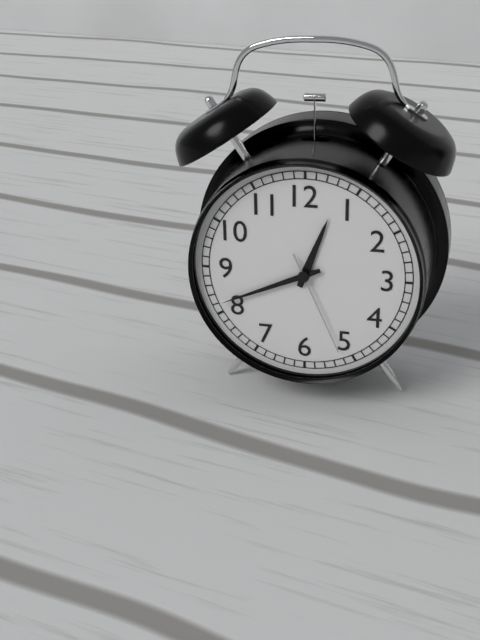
12:41:26
